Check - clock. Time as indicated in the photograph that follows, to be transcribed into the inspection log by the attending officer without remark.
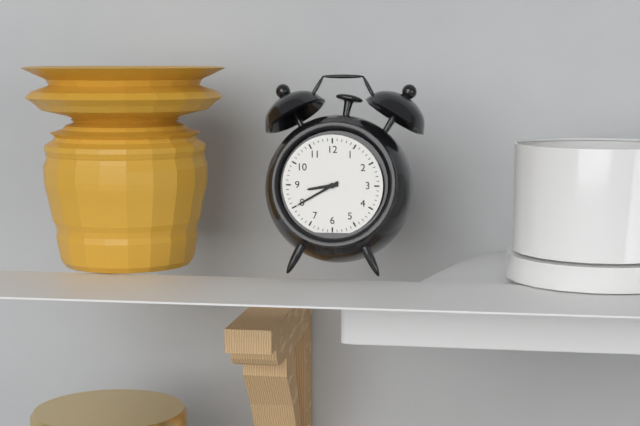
8:40
